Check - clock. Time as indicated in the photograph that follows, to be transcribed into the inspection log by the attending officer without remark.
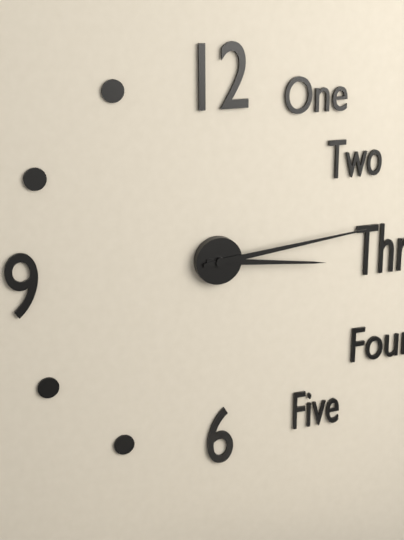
3:14
